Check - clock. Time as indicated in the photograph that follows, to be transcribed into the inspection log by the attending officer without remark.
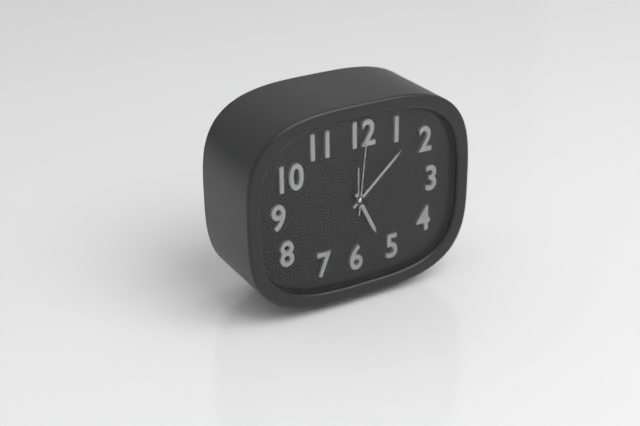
5:08:01
